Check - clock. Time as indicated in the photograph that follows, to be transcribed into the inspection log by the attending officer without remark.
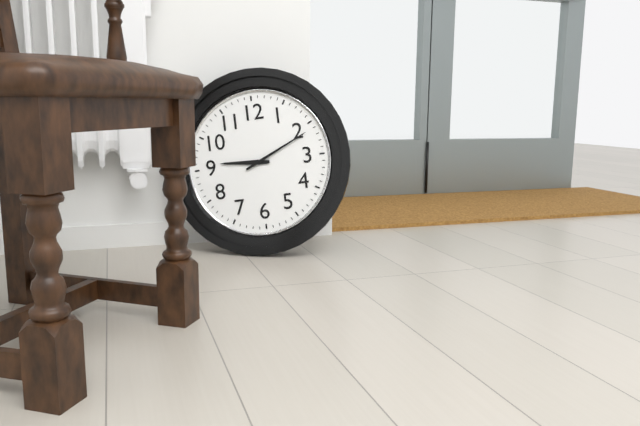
9:11
